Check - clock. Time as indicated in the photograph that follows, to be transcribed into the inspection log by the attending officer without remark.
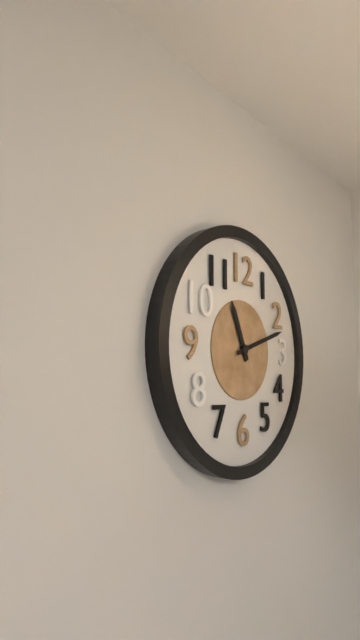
11:12
